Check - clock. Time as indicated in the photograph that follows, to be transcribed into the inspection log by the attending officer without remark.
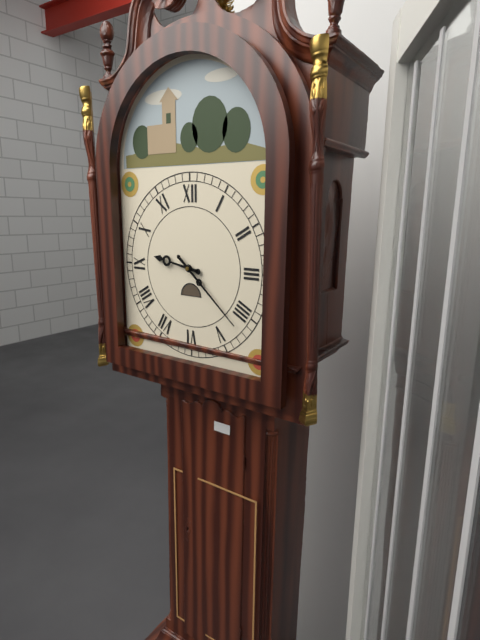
9:22
